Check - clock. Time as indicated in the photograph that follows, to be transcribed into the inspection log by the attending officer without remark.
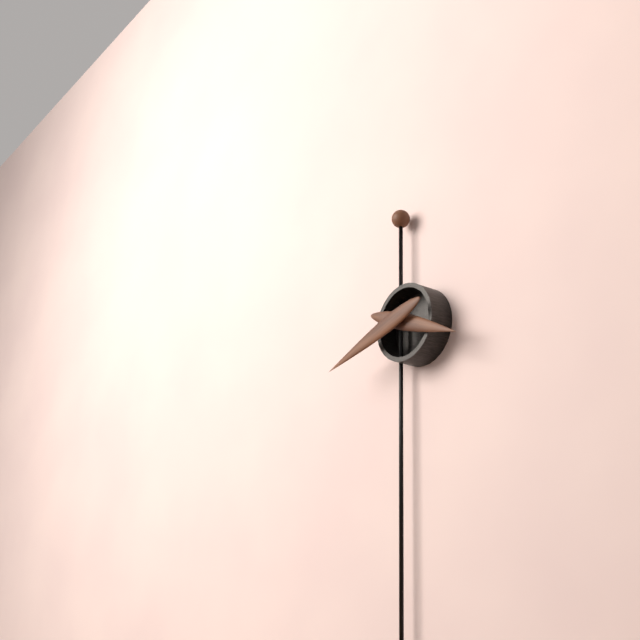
3:42
